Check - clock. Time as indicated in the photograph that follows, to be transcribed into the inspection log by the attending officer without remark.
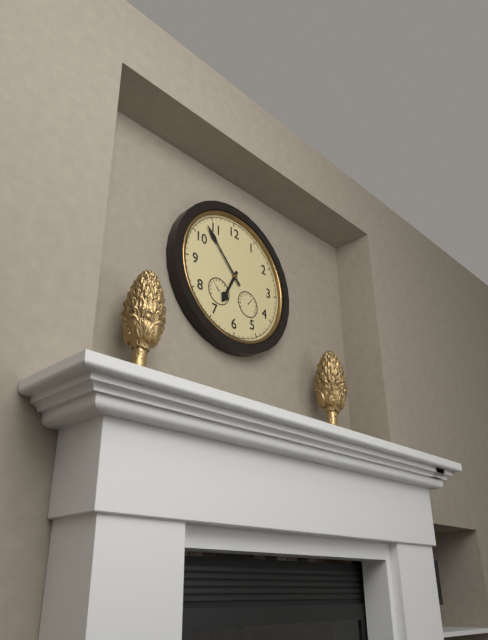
6:53
